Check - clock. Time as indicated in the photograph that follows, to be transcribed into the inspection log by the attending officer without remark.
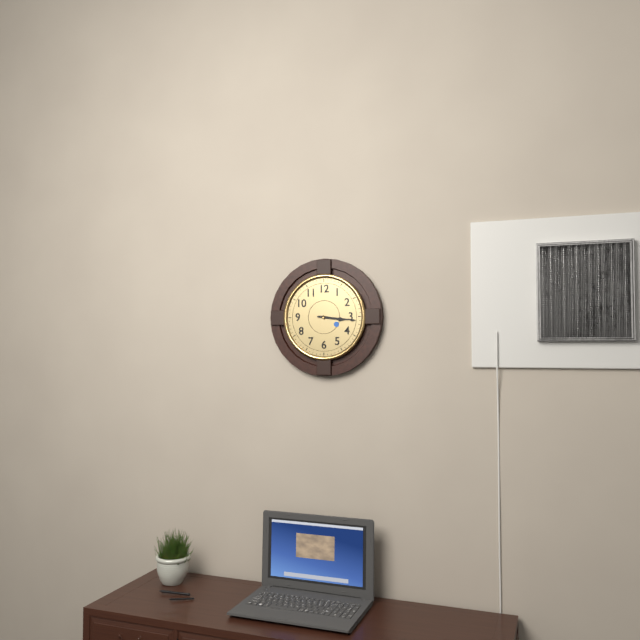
3:16
